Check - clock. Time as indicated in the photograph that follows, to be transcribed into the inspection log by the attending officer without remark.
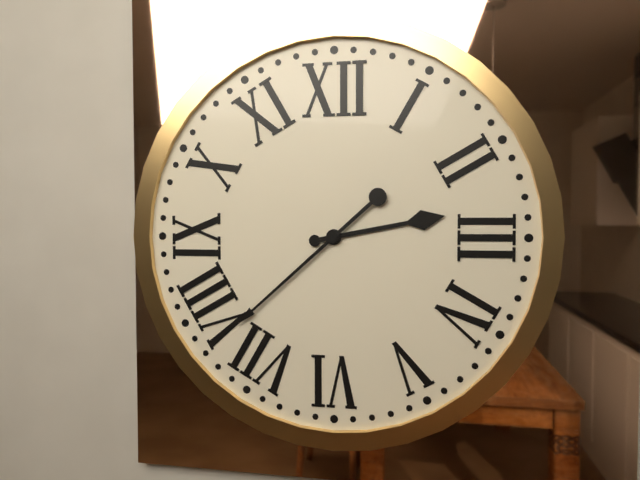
2:38
